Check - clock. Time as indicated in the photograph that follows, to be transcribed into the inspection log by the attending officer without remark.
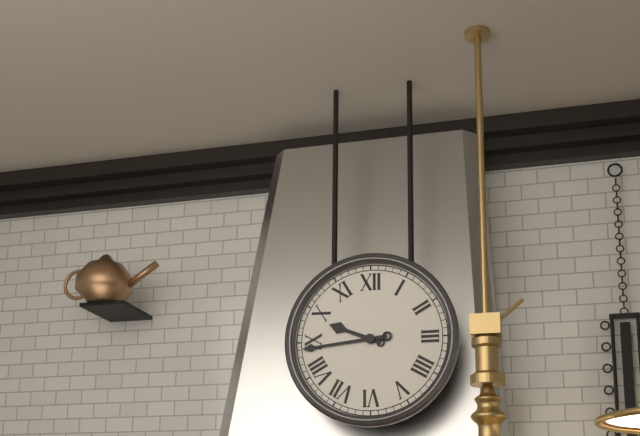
9:44
